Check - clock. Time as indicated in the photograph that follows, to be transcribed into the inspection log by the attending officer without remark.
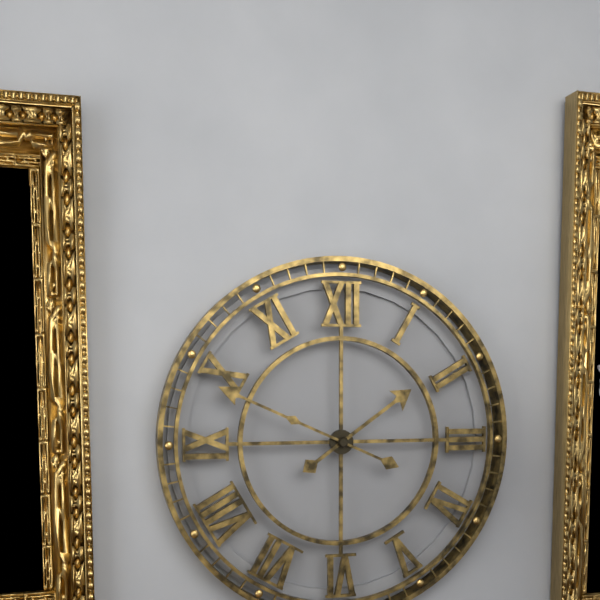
1:49
